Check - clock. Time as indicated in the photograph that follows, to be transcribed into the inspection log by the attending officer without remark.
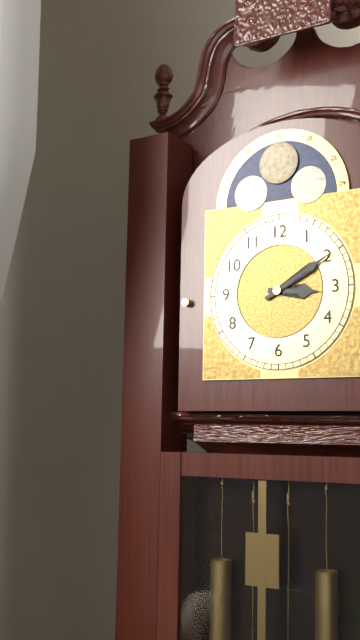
3:10
